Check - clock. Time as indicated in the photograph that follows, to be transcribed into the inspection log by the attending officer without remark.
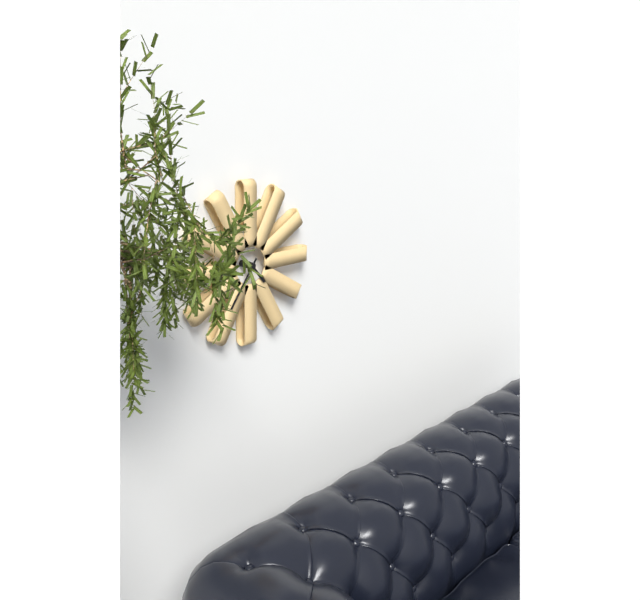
4:36
